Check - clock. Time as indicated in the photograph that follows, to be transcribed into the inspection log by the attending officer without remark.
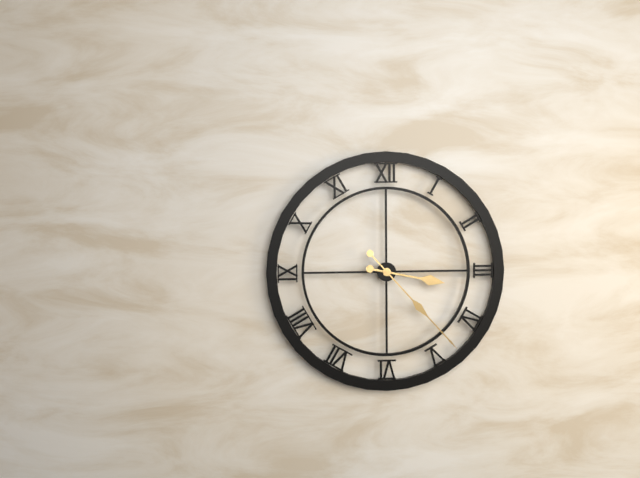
3:23
